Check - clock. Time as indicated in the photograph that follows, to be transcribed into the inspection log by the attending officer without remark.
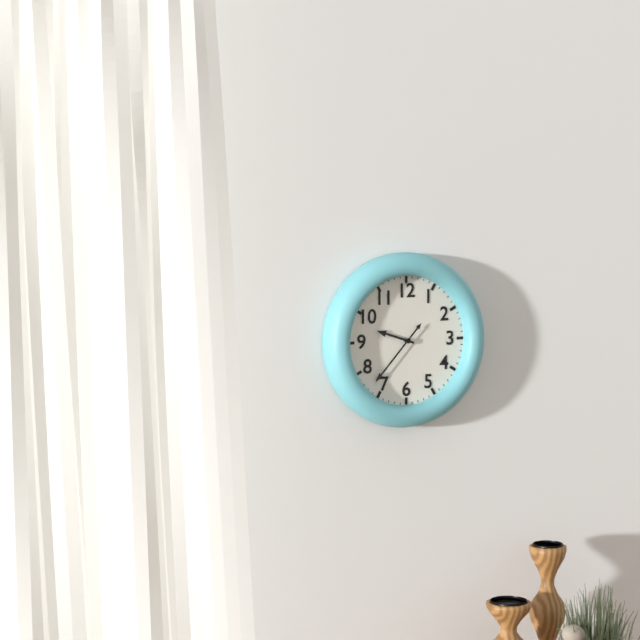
9:37
